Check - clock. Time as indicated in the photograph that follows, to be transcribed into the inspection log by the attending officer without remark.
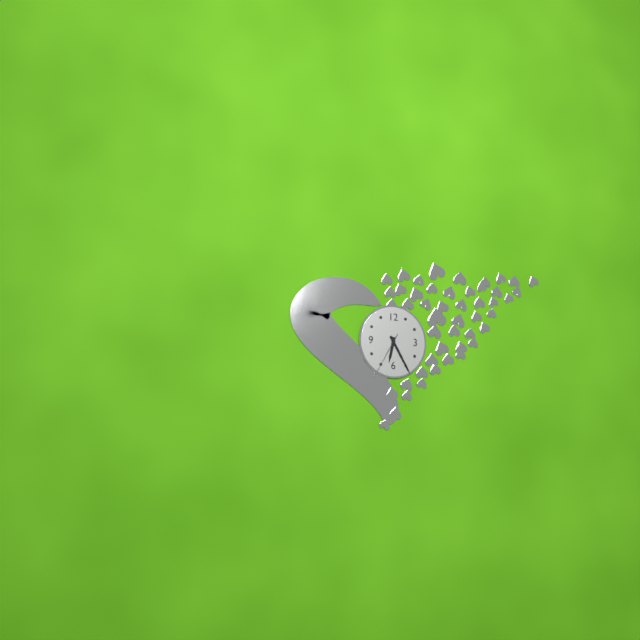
6:25
